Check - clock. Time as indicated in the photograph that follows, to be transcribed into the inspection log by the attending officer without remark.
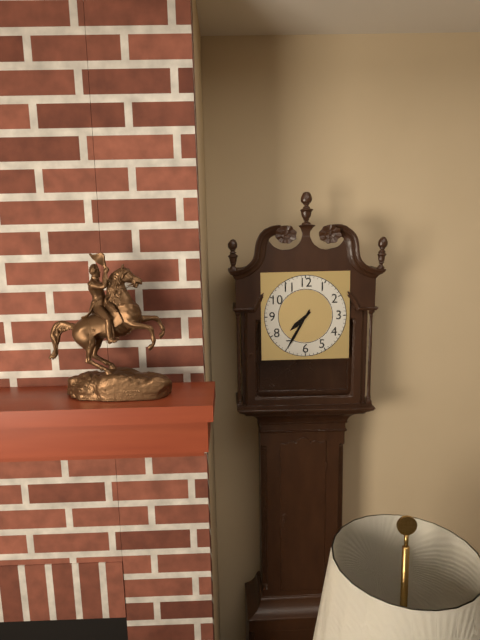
7:35
